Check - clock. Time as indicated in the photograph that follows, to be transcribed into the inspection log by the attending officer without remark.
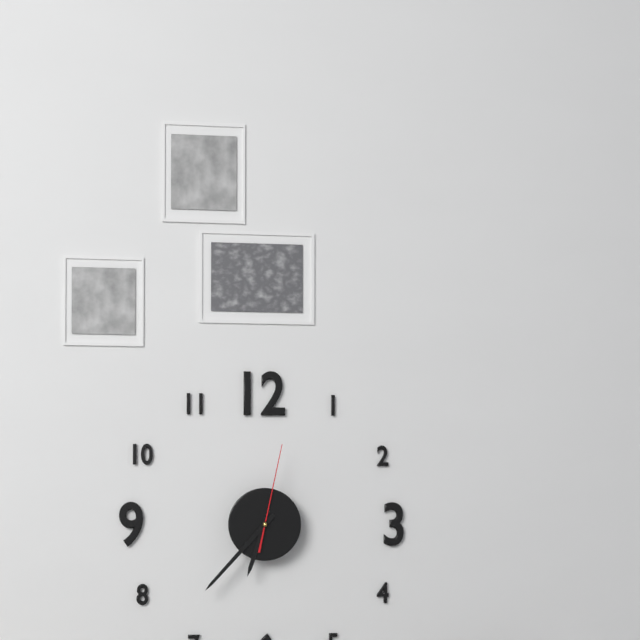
6:37:02
